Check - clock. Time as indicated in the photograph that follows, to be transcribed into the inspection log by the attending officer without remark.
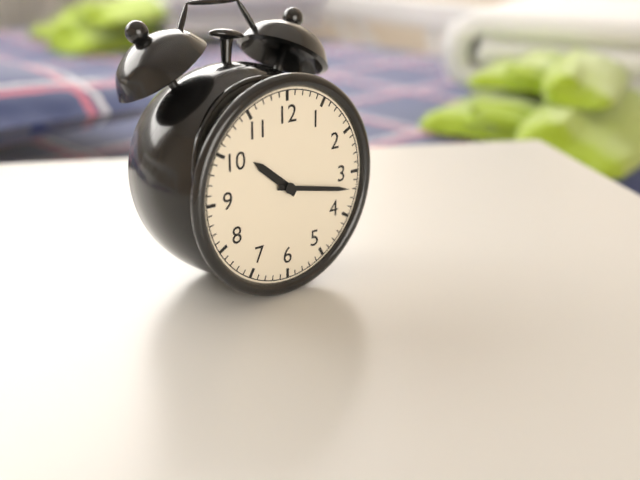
10:17
